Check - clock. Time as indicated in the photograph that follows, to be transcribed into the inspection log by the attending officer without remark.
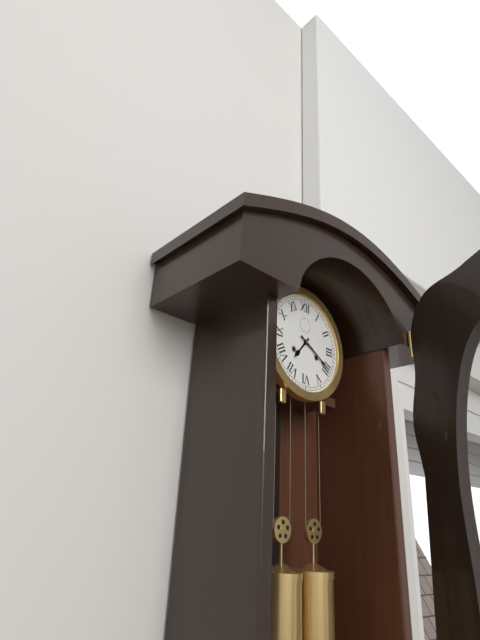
7:20
